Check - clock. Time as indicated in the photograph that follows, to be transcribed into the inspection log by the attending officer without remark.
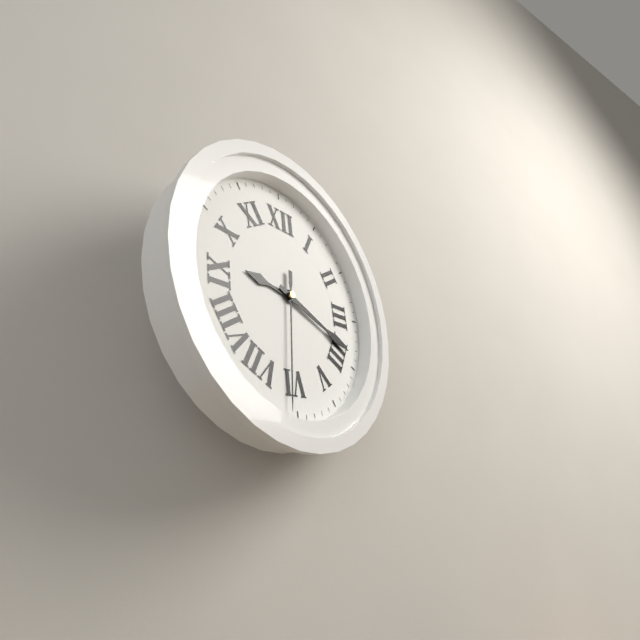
9:19:31
